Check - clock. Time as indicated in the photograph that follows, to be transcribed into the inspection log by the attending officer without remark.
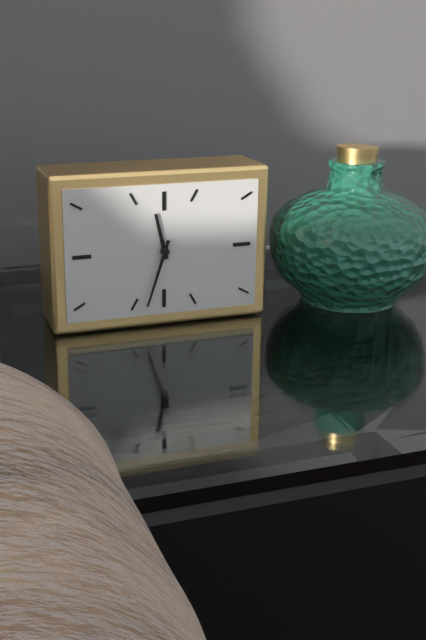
11:33
